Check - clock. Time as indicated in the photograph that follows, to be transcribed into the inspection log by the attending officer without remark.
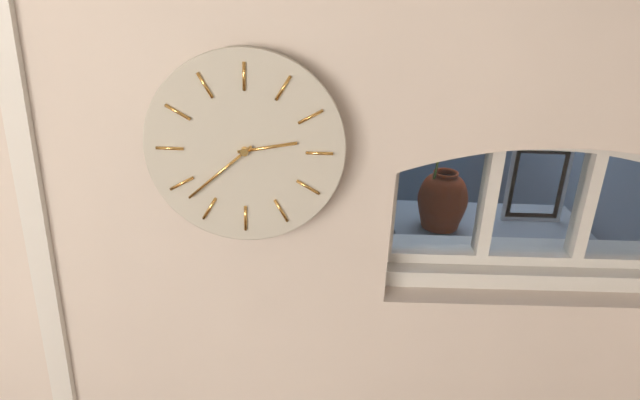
2:38
